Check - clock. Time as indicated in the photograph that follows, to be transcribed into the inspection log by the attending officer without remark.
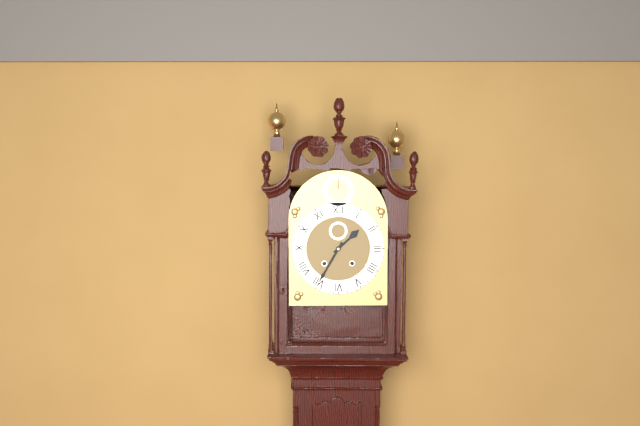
1:35
